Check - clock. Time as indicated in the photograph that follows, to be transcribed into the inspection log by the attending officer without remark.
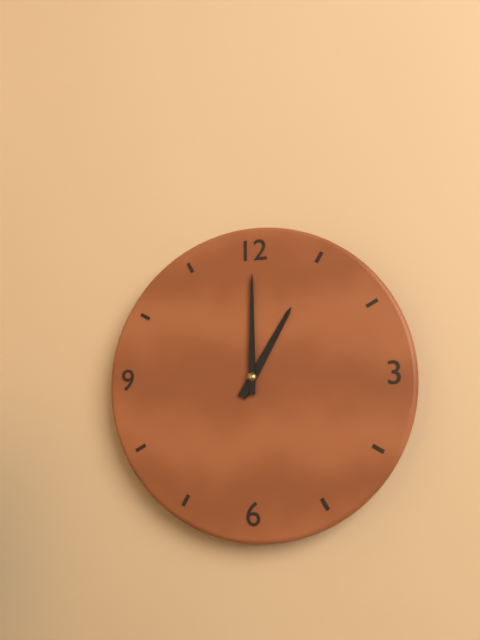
1:00
